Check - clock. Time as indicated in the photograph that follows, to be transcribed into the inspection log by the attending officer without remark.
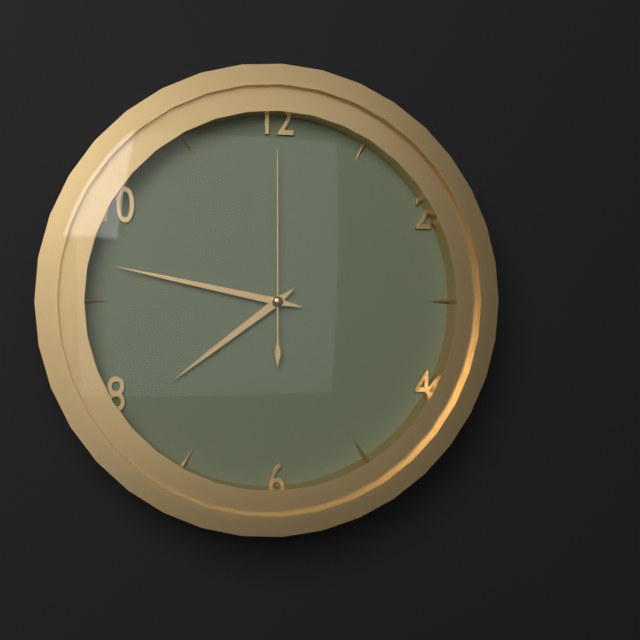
7:47:00
